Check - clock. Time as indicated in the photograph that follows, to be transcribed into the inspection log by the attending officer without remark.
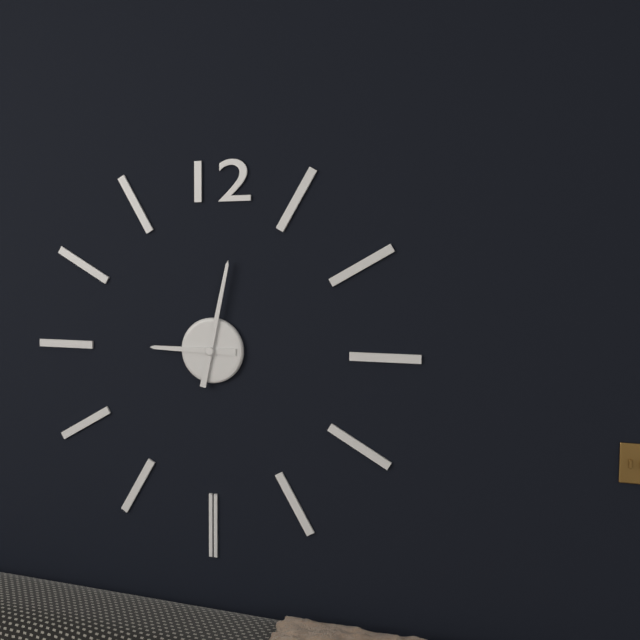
9:02
